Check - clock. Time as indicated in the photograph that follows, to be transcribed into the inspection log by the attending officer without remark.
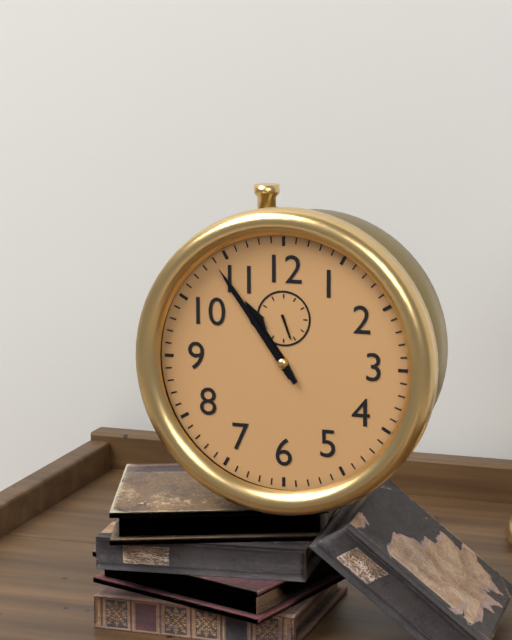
10:54
